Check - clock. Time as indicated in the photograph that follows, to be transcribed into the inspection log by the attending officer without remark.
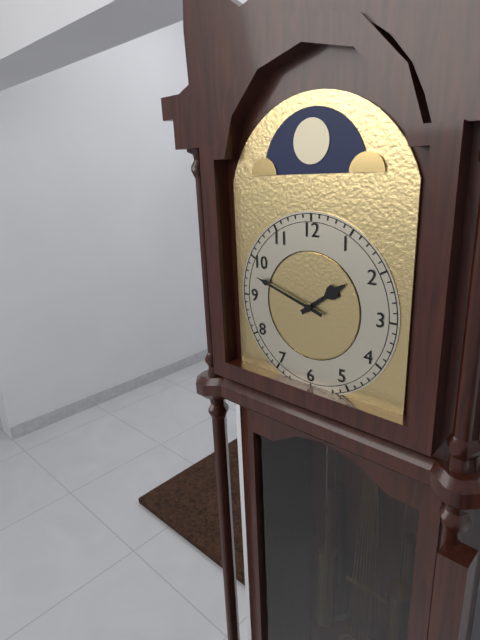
1:48
